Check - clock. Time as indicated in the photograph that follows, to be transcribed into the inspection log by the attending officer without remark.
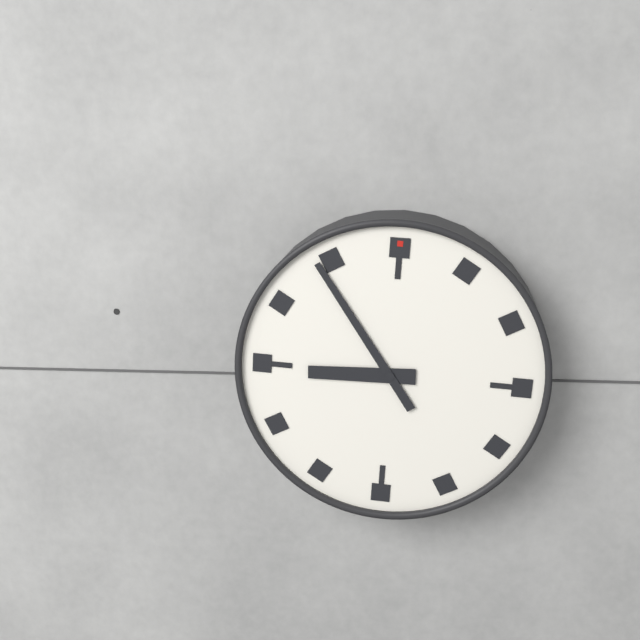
8:54
